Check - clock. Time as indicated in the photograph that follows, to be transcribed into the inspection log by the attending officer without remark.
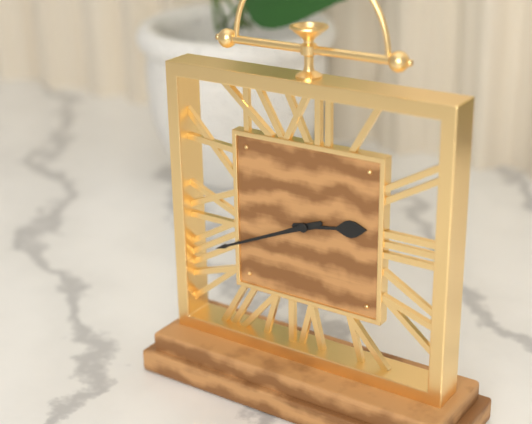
2:41
